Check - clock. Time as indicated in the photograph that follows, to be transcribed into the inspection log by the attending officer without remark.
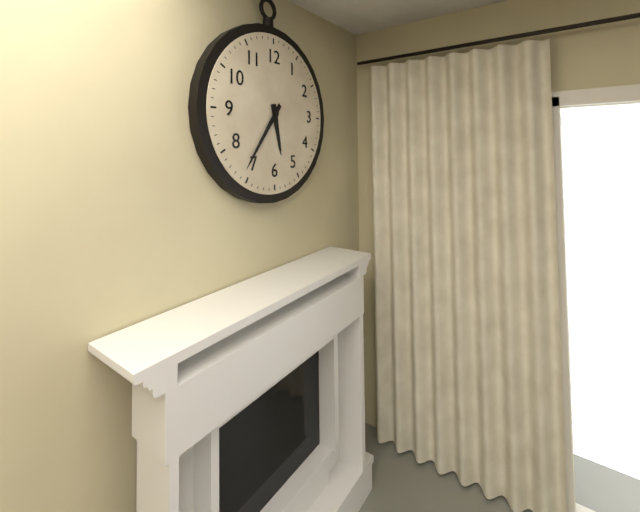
5:36
